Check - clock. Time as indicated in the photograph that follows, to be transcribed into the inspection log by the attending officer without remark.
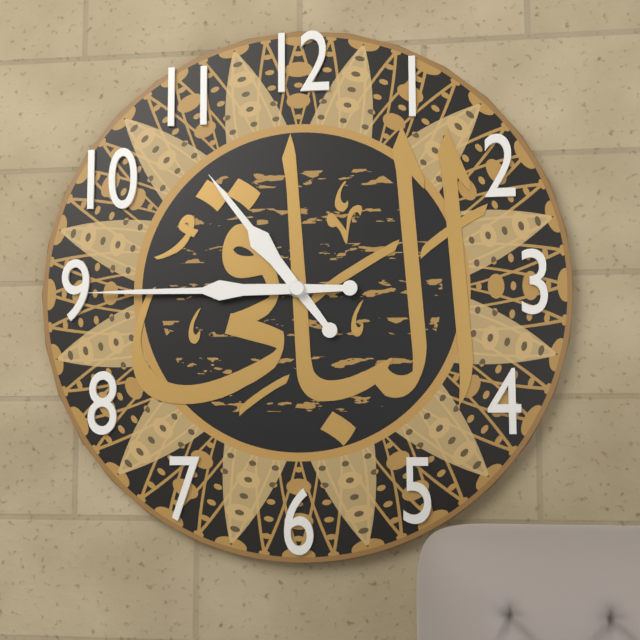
10:45
